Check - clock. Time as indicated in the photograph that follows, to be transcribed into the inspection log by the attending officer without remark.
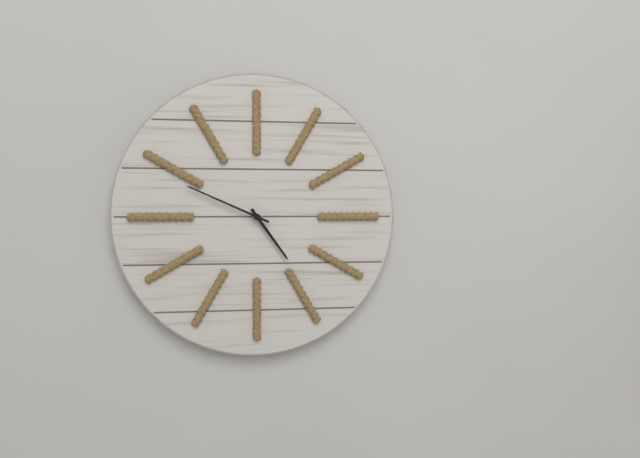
4:49
